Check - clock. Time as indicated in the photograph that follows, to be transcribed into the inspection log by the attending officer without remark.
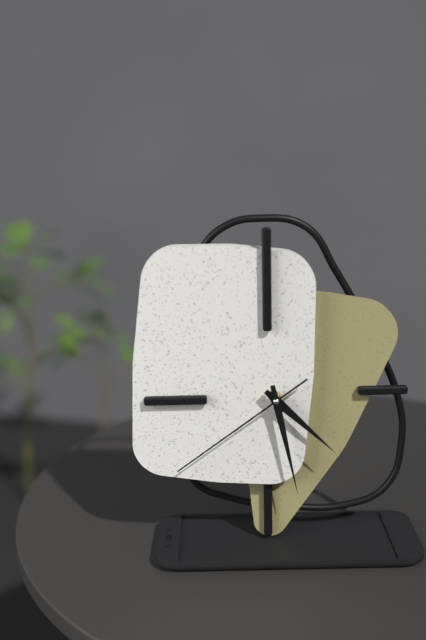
4:28:39
